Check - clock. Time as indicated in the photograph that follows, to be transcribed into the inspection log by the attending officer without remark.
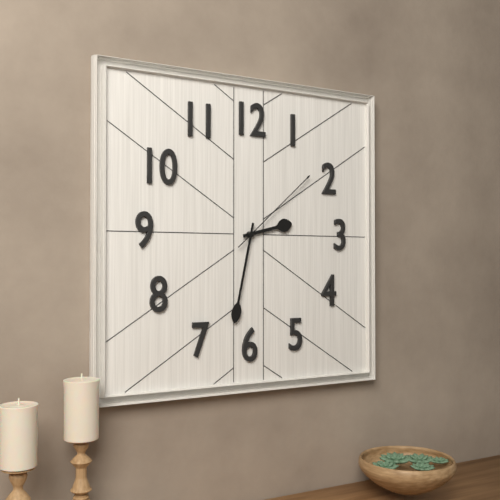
2:32:08
